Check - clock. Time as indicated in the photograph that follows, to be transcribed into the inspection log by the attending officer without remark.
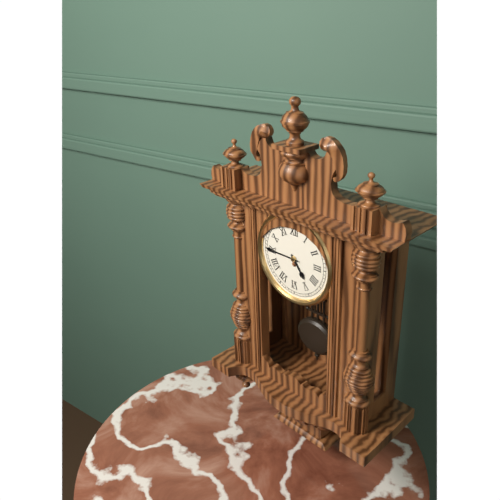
4:45
